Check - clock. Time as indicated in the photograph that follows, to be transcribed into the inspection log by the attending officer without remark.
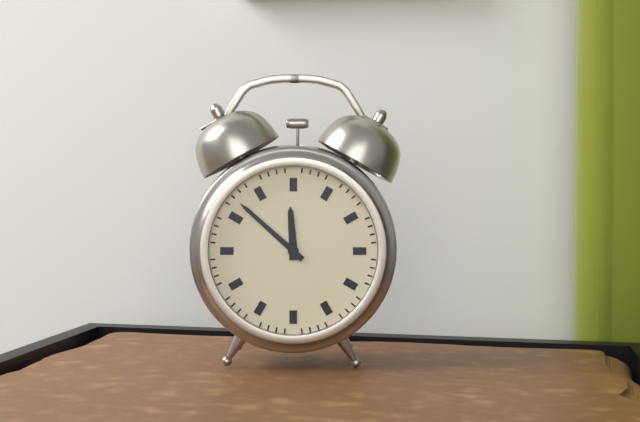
11:52
